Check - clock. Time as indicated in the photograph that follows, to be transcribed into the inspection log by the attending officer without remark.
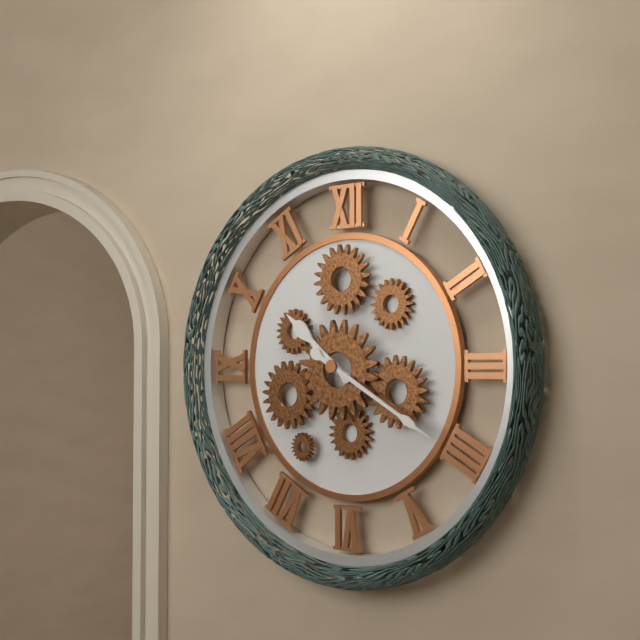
10:20
